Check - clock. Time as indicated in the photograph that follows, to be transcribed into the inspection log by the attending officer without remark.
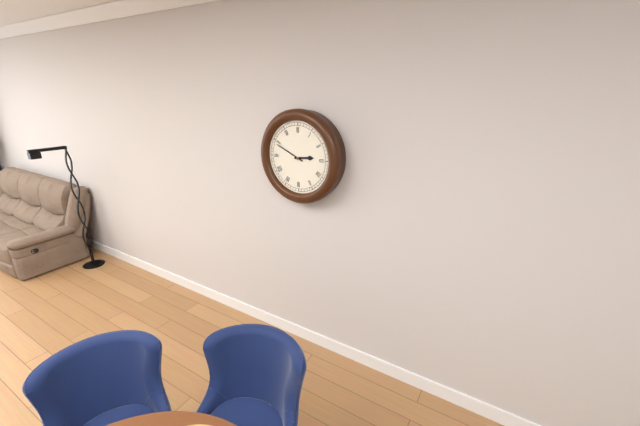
2:49
